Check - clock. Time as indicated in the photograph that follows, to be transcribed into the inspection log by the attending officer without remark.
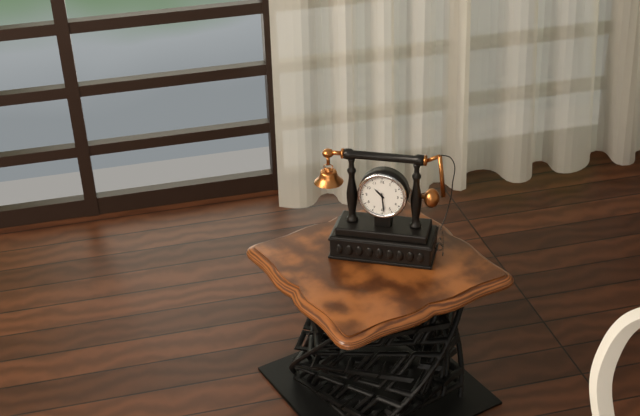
10:29
